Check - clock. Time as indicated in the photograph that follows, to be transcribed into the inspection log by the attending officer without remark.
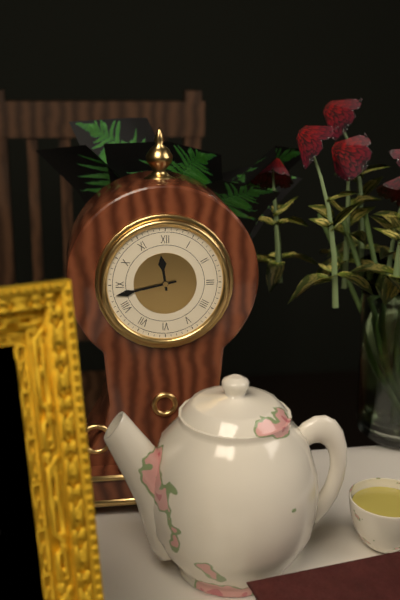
11:43
